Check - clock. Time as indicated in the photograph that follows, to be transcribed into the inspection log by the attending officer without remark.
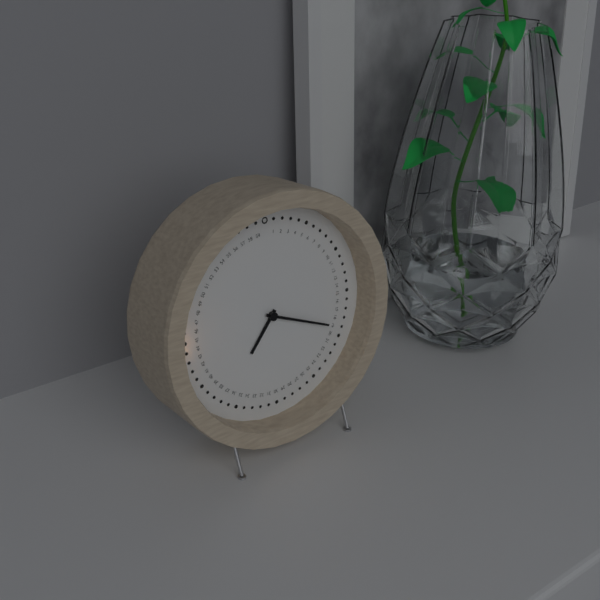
7:19
